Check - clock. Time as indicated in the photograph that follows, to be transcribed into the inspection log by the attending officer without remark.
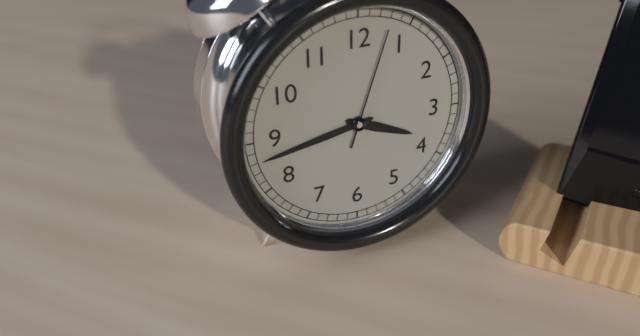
3:43:03
